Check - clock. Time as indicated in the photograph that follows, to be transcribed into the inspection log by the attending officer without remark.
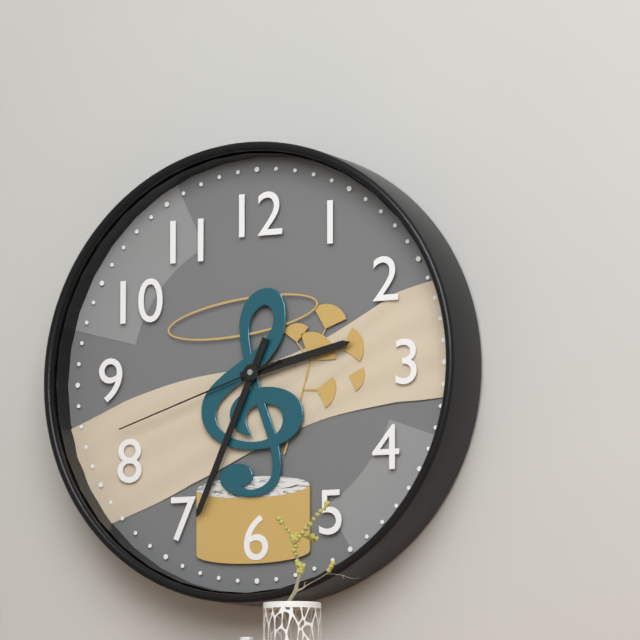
2:34:42
